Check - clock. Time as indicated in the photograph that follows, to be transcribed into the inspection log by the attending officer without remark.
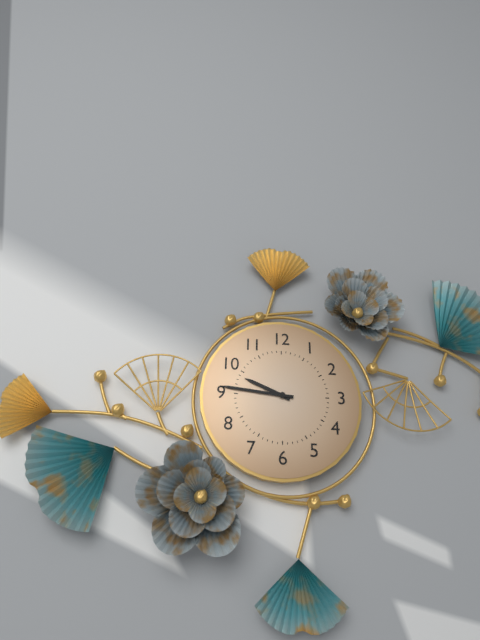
9:46
